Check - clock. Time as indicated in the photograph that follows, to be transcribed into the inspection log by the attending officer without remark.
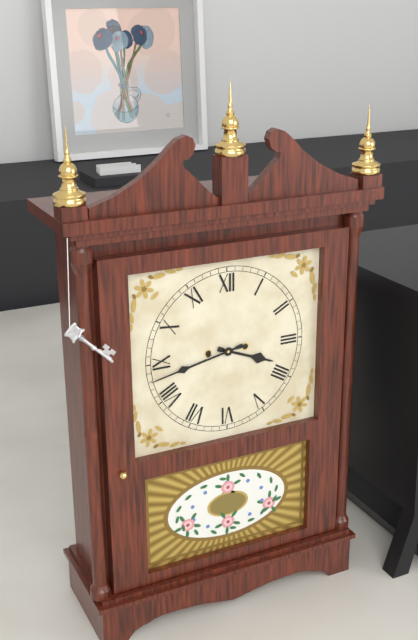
3:43
